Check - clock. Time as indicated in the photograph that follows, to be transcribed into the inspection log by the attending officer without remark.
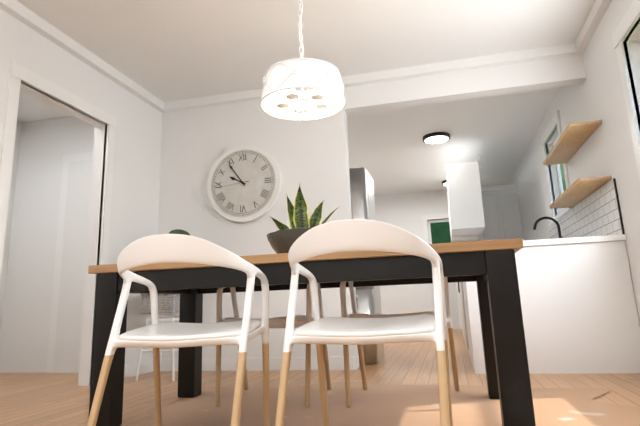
9:54
